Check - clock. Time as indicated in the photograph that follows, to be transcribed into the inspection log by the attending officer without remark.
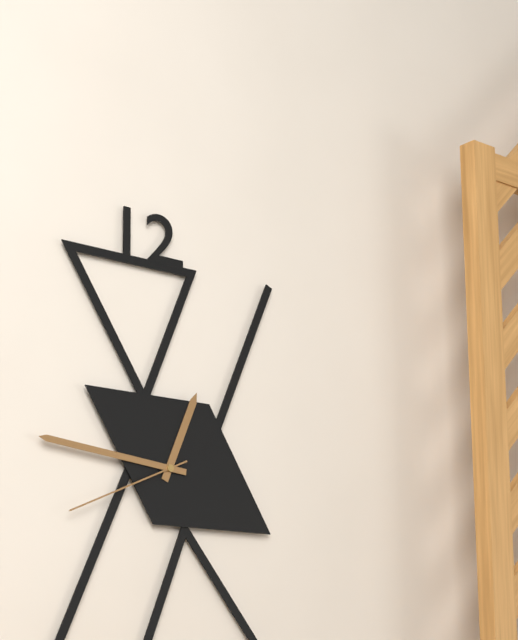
12:46:41
